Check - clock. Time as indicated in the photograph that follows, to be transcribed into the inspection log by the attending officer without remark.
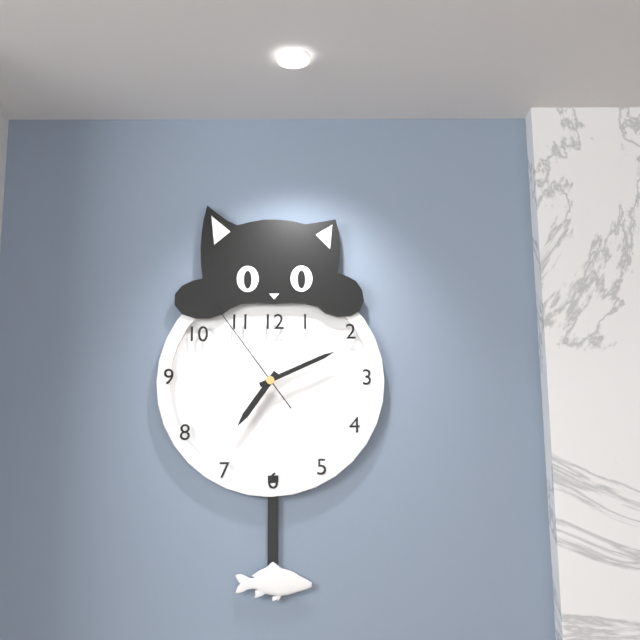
7:11:54
